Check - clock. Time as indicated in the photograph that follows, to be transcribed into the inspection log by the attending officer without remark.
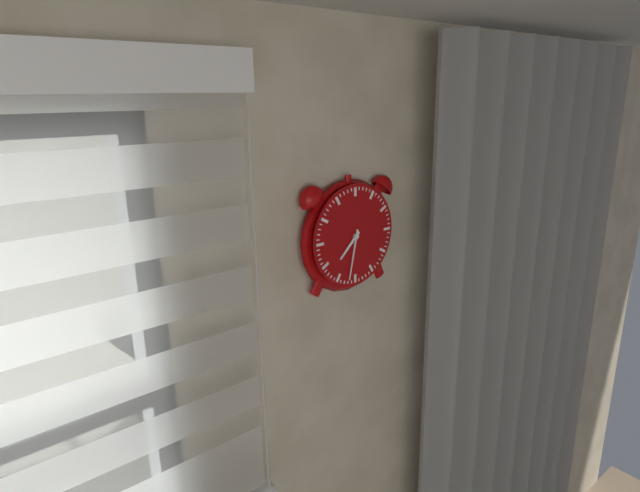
7:32
